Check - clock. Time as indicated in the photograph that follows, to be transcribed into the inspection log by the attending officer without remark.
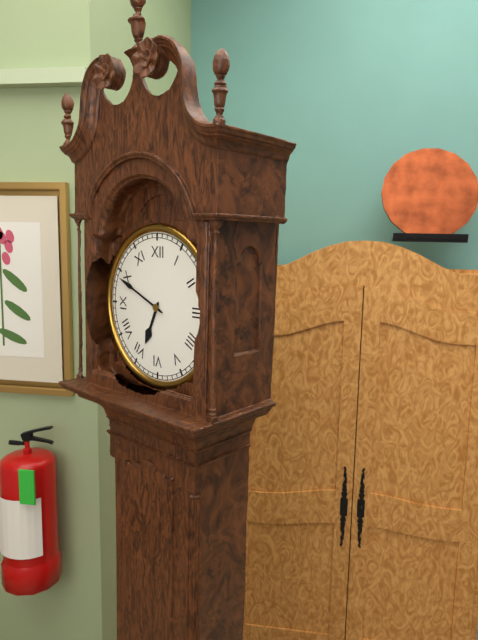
6:49
